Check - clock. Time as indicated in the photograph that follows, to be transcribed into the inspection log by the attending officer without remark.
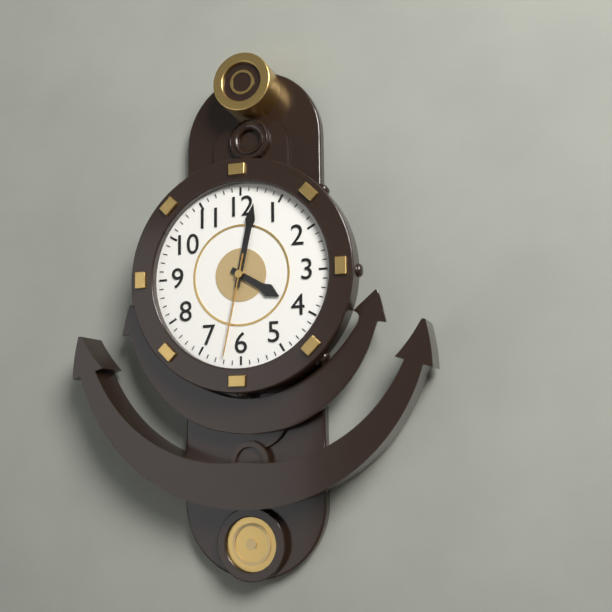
4:02:32
